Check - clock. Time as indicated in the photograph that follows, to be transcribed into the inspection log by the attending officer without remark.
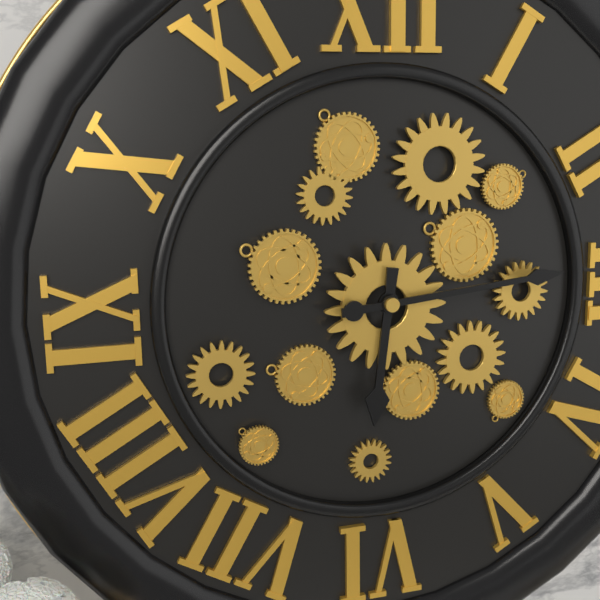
6:14
